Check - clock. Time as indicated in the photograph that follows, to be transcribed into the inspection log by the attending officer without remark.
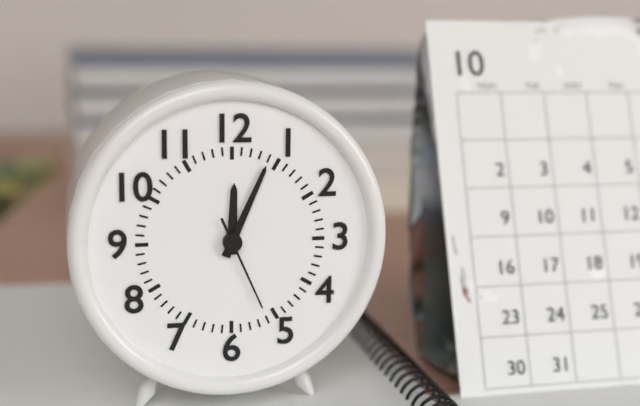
12:04:26
